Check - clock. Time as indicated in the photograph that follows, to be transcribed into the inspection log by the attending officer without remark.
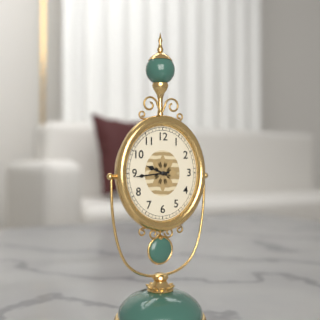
9:44
